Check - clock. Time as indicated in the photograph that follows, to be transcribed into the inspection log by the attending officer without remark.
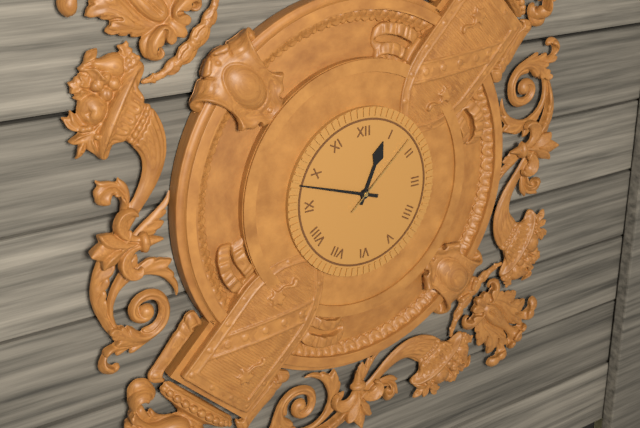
12:48:08
